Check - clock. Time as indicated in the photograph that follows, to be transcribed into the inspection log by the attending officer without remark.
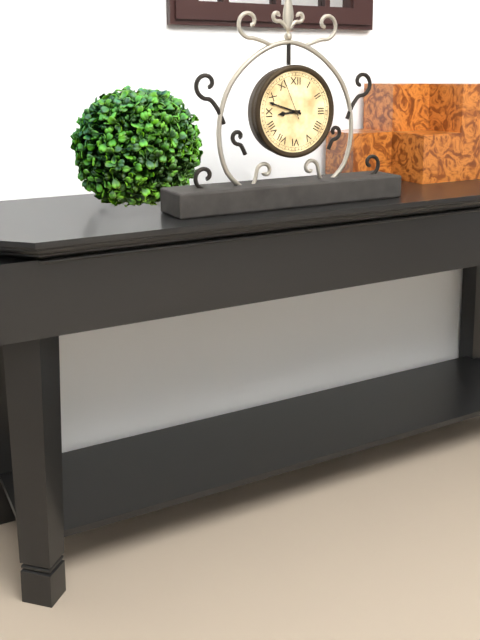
8:48
